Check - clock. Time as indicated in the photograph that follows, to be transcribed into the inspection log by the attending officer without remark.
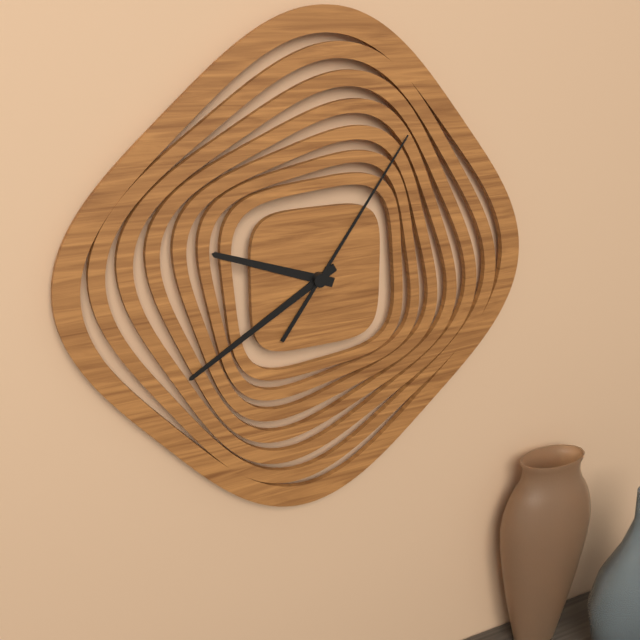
9:40:06
